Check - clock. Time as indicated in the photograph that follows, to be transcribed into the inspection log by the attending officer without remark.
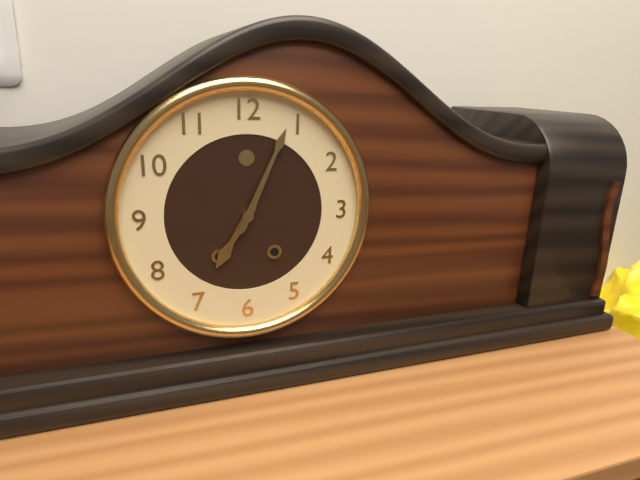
7:04
